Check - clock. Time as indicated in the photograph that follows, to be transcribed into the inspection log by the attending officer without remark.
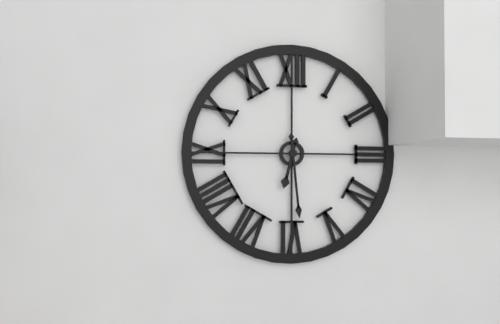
6:29
